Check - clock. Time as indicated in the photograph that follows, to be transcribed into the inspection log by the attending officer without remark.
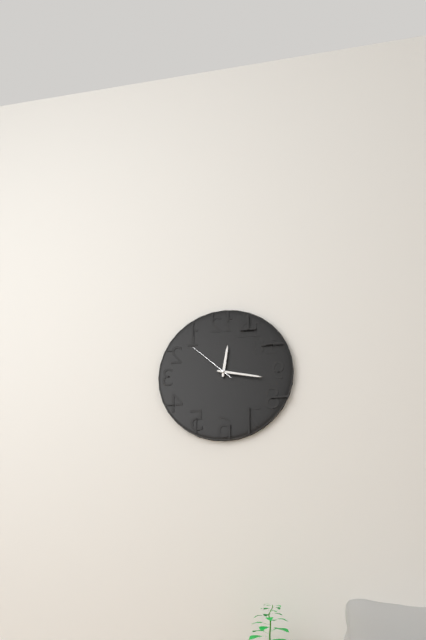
12:17:52
